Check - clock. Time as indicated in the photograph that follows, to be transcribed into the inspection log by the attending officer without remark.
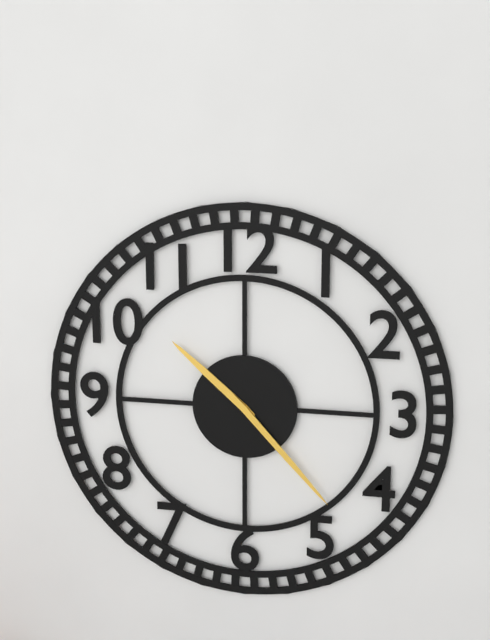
10:23
